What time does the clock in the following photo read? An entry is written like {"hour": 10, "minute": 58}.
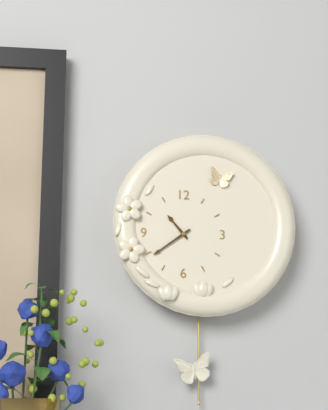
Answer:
{"hour": 10, "minute": 39}
